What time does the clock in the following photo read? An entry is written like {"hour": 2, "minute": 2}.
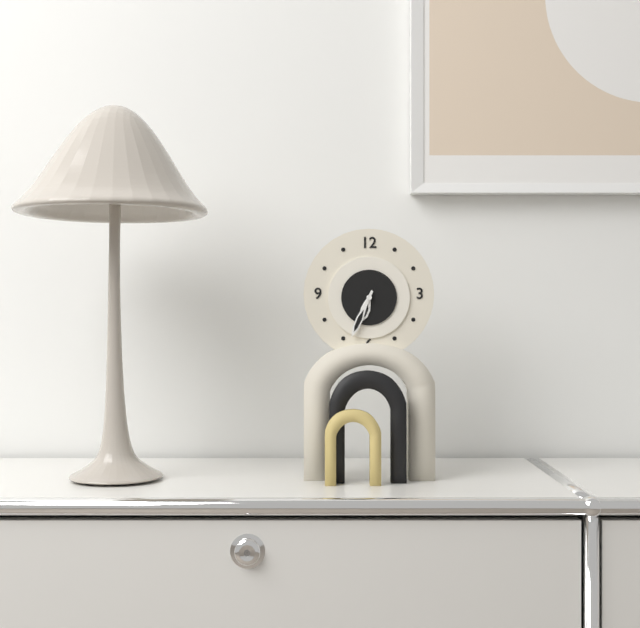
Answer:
{"hour": 6, "minute": 34}
